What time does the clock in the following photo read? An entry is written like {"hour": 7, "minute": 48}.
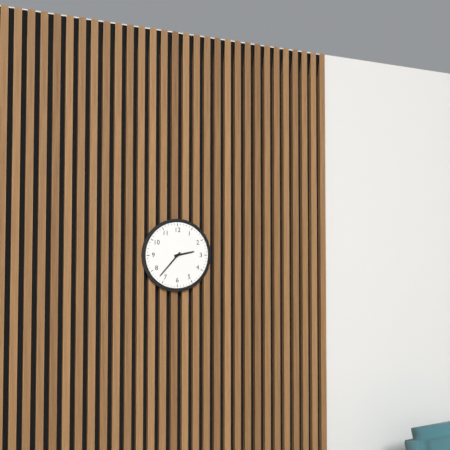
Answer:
{"hour": 2, "minute": 37}
